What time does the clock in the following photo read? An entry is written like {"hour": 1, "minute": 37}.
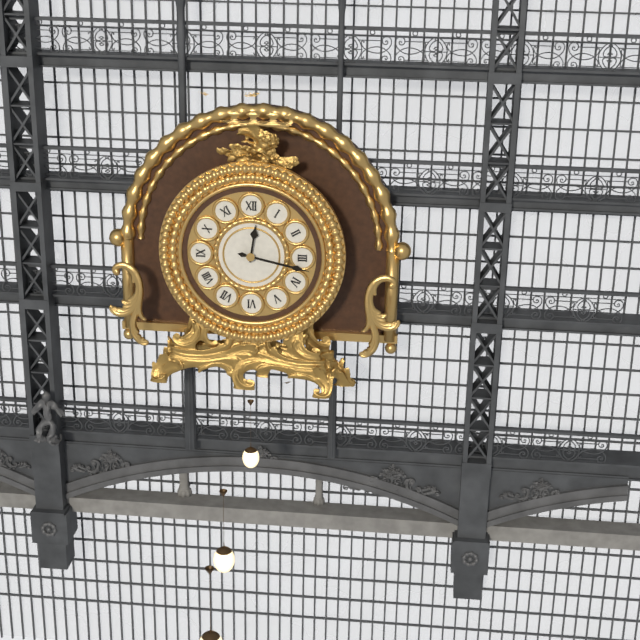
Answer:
{"hour": 12, "minute": 17}
